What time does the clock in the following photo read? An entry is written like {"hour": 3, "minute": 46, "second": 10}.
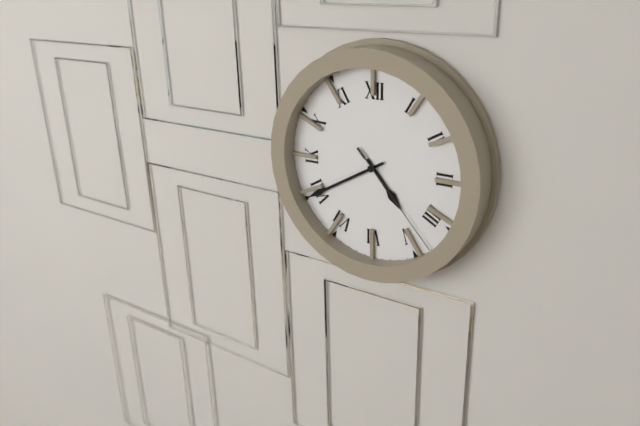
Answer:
{"hour": 4, "minute": 40, "second": 23}
